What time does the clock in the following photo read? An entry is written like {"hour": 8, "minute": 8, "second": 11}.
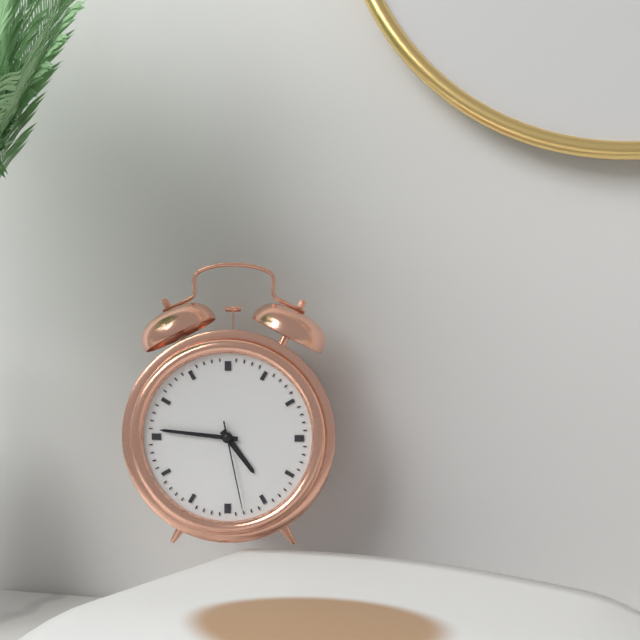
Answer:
{"hour": 4, "minute": 46, "second": 28}
